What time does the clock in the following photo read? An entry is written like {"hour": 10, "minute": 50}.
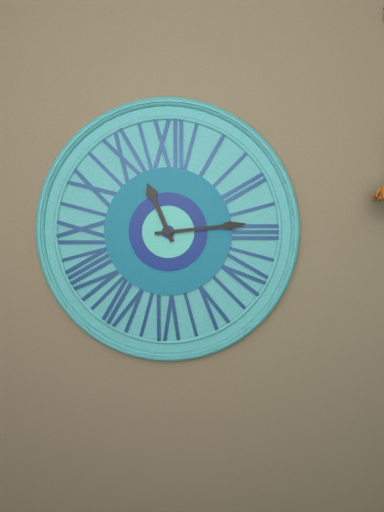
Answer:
{"hour": 11, "minute": 14}
